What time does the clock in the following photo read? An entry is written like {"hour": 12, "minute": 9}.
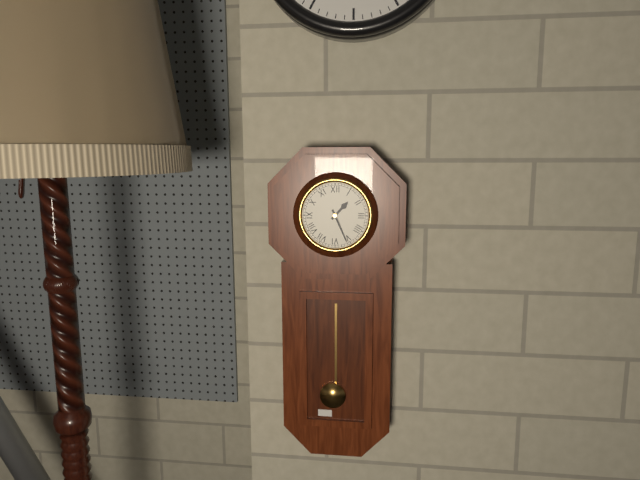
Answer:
{"hour": 1, "minute": 26}
